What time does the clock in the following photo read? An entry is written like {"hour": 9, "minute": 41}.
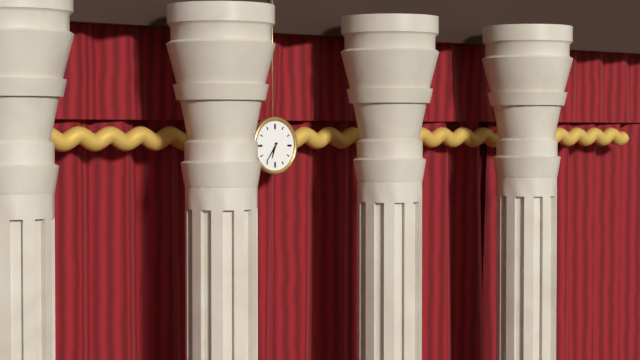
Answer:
{"hour": 6, "minute": 36}
